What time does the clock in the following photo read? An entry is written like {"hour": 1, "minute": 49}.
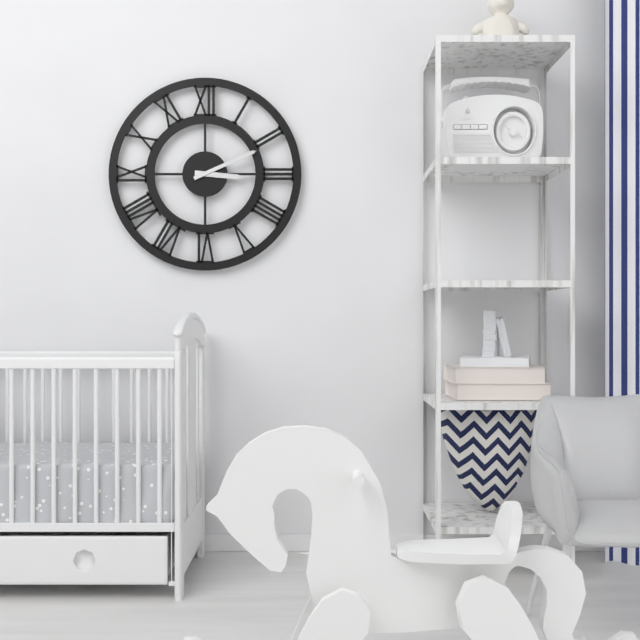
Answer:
{"hour": 3, "minute": 11}
